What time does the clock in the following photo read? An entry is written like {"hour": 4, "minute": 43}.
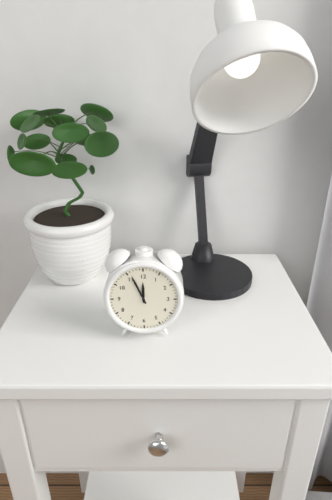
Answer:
{"hour": 11, "minute": 56}
